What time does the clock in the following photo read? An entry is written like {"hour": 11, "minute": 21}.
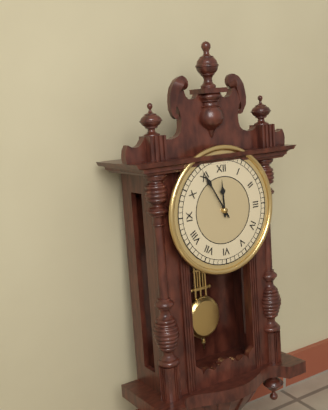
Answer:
{"hour": 11, "minute": 55}
